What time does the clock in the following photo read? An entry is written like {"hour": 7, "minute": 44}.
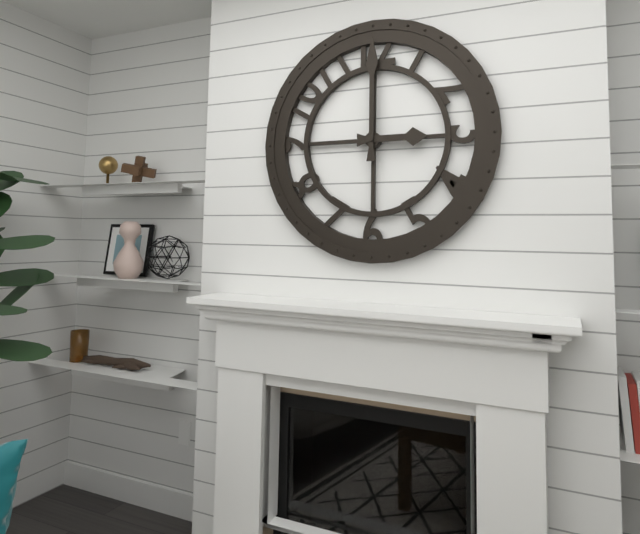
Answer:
{"hour": 3, "minute": 0}
